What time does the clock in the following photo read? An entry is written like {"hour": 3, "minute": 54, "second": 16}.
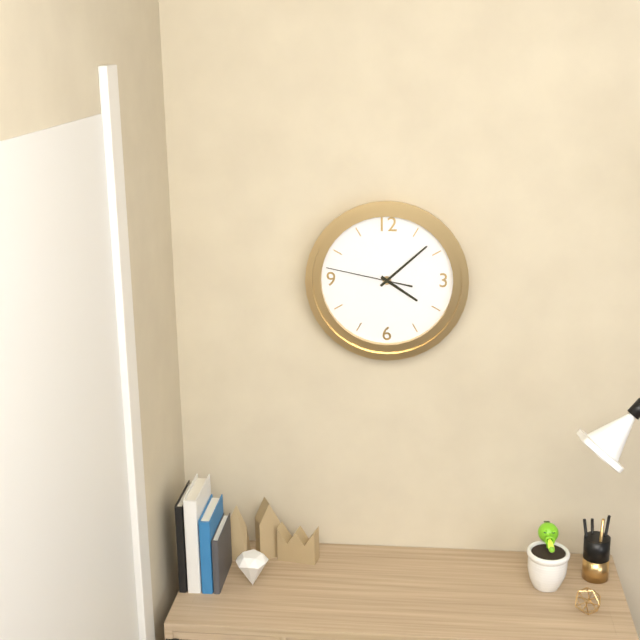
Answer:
{"hour": 4, "minute": 8, "second": 47}
